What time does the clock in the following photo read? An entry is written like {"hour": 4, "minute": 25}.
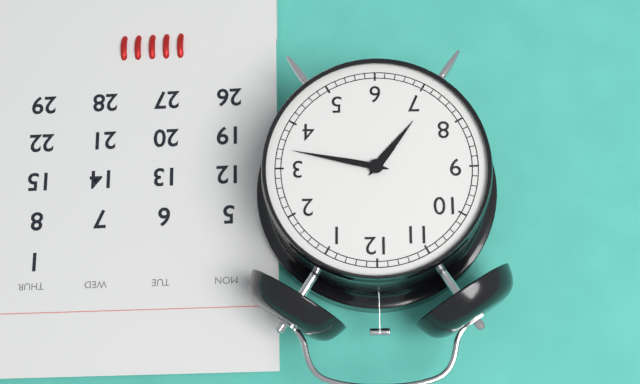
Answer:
{"hour": 7, "minute": 17}
